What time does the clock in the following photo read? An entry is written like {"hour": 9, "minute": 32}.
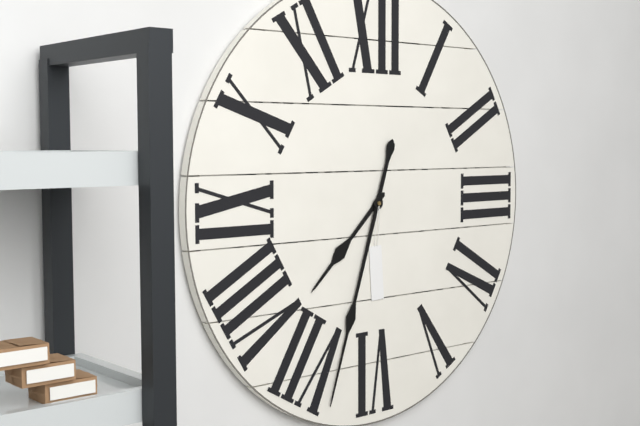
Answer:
{"hour": 7, "minute": 33}
